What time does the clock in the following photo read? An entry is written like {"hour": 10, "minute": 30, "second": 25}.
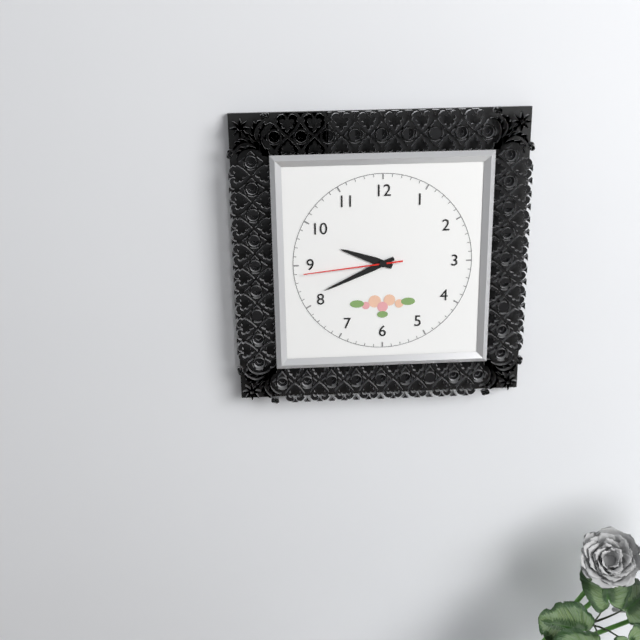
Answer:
{"hour": 9, "minute": 41, "second": 44}
